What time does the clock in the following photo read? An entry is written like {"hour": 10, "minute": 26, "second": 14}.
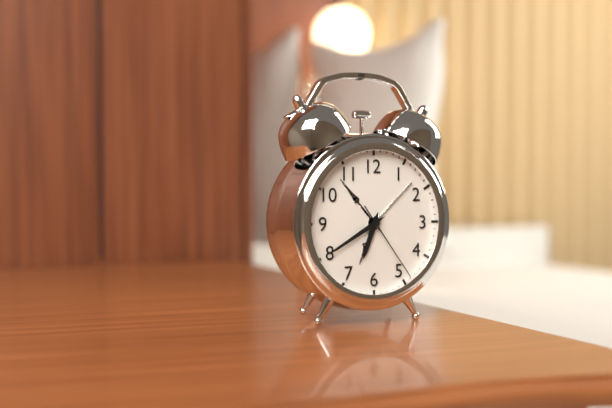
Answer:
{"hour": 6, "minute": 40, "second": 24}
